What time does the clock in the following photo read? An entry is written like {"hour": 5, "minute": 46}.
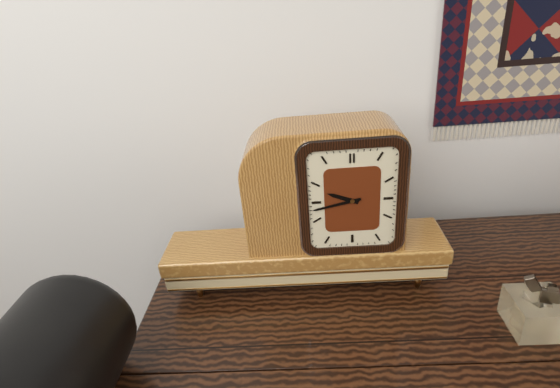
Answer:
{"hour": 9, "minute": 43}
